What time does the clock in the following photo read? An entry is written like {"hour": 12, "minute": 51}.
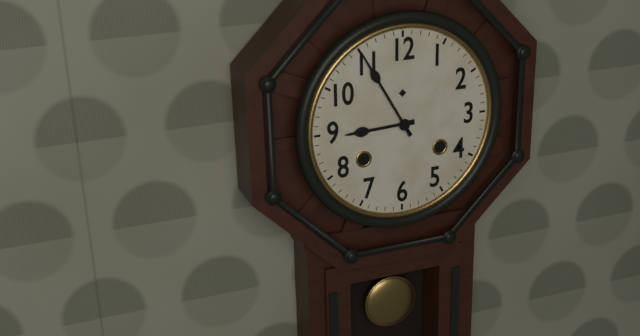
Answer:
{"hour": 8, "minute": 55}
